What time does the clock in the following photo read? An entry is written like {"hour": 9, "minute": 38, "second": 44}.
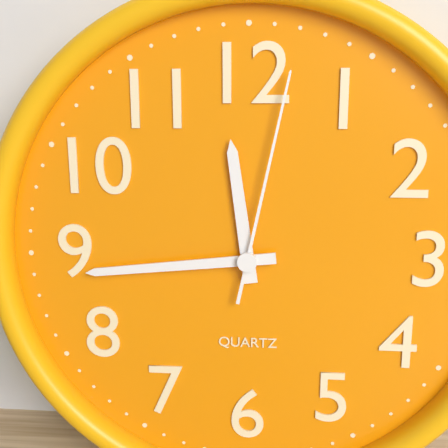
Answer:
{"hour": 11, "minute": 44, "second": 2}
